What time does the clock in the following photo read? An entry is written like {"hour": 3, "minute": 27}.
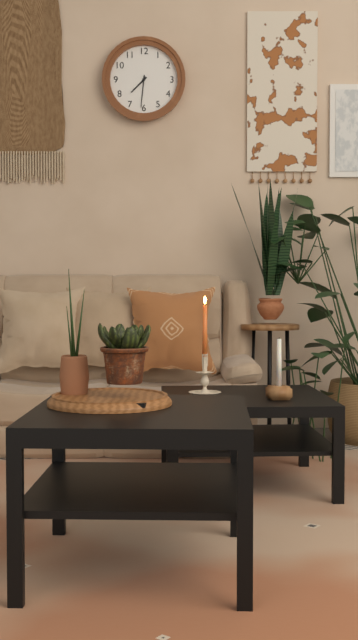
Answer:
{"hour": 7, "minute": 31}
